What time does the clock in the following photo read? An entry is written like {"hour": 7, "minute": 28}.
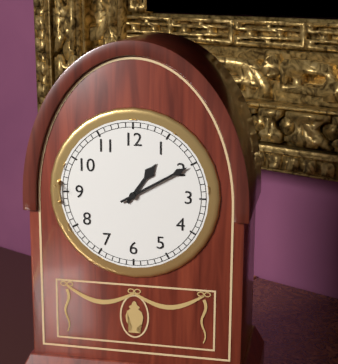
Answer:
{"hour": 1, "minute": 10}
